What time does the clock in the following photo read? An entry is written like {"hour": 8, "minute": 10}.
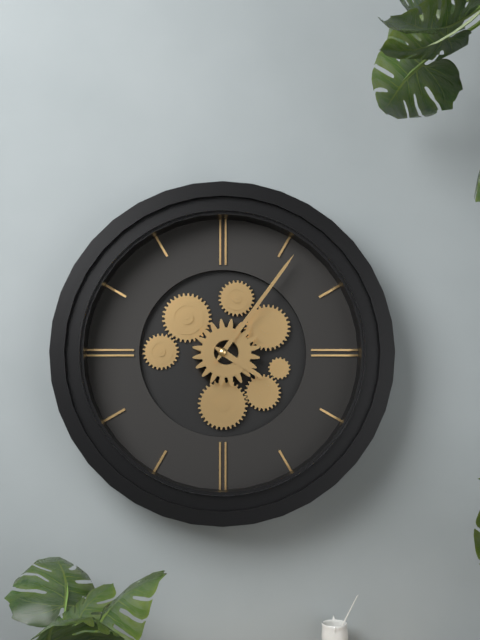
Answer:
{"hour": 4, "minute": 6}
